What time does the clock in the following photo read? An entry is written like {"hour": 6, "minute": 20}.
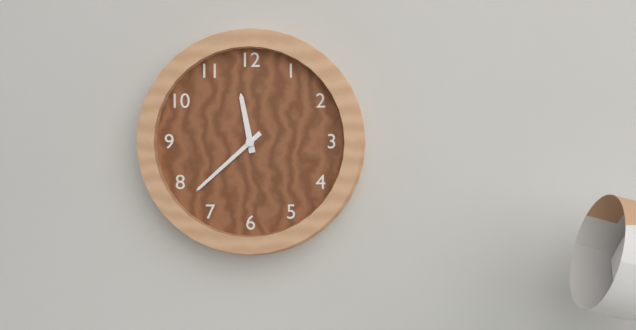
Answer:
{"hour": 11, "minute": 38}
